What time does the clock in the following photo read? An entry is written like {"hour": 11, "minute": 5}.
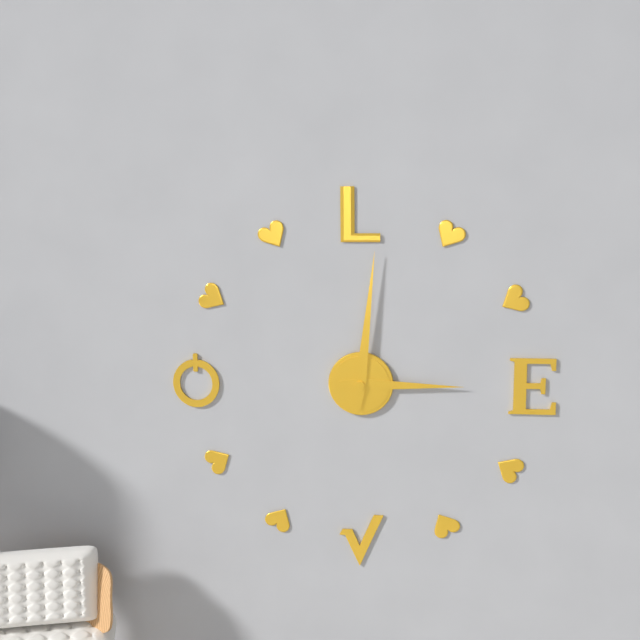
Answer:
{"hour": 3, "minute": 1}
